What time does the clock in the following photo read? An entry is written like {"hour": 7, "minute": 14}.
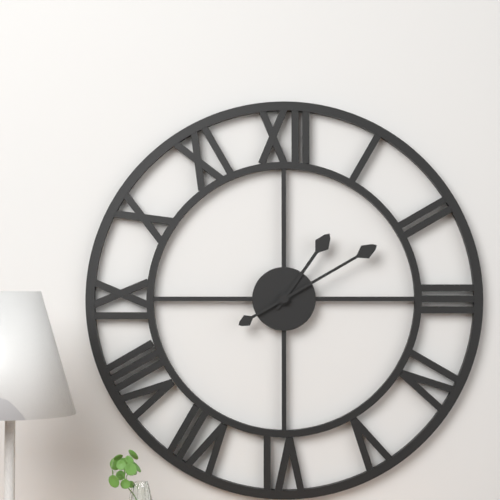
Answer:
{"hour": 1, "minute": 10}
